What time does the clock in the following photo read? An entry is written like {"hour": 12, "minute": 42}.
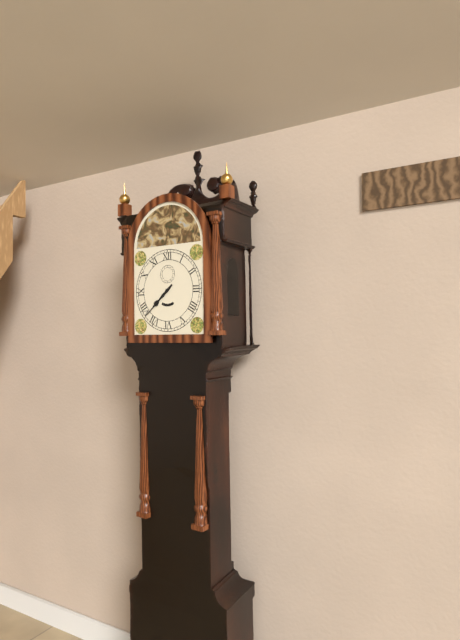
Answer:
{"hour": 7, "minute": 38}
